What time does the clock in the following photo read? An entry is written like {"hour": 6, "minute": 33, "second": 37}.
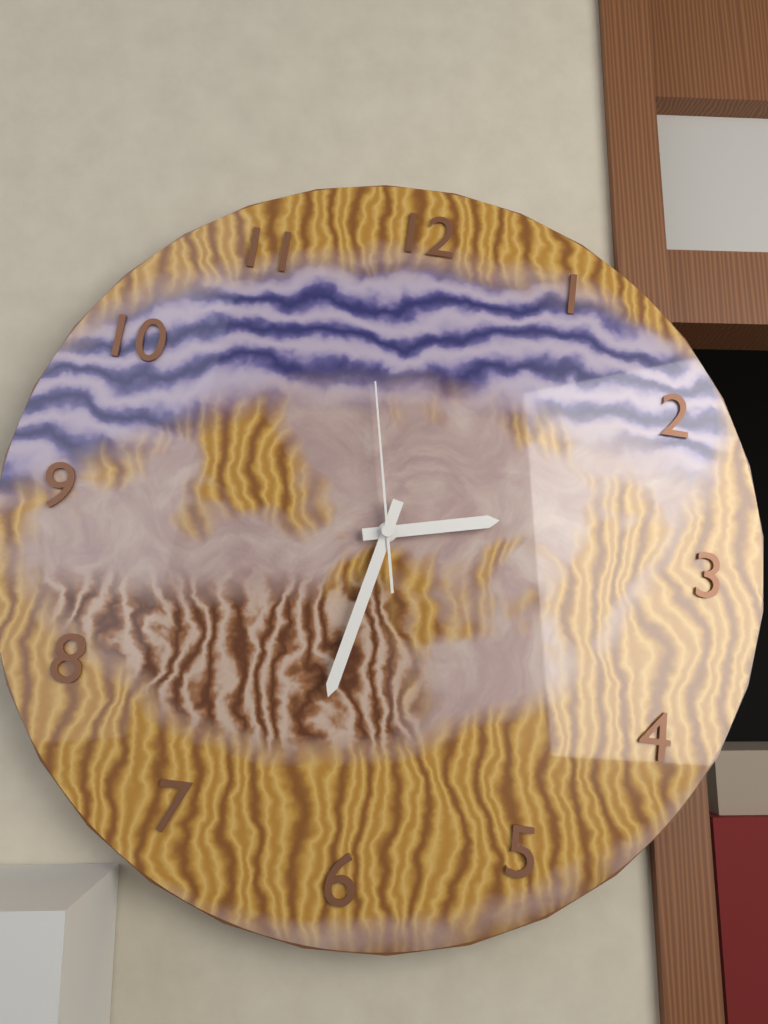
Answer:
{"hour": 2, "minute": 32, "second": 58}
